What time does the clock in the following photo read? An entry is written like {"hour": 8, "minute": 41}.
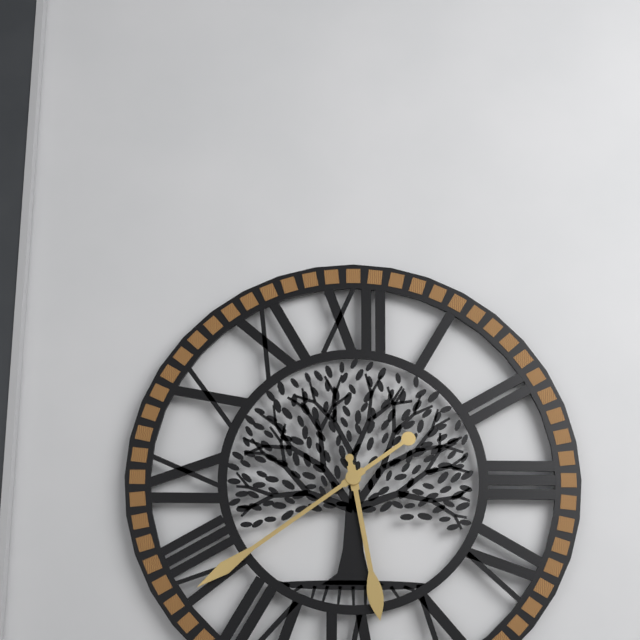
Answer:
{"hour": 5, "minute": 39}
